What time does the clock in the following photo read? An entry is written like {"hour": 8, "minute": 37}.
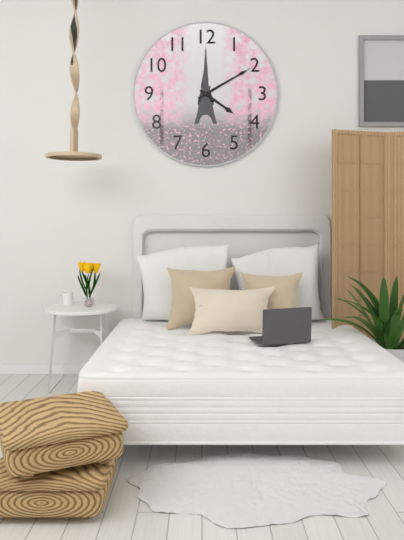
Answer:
{"hour": 4, "minute": 10}
